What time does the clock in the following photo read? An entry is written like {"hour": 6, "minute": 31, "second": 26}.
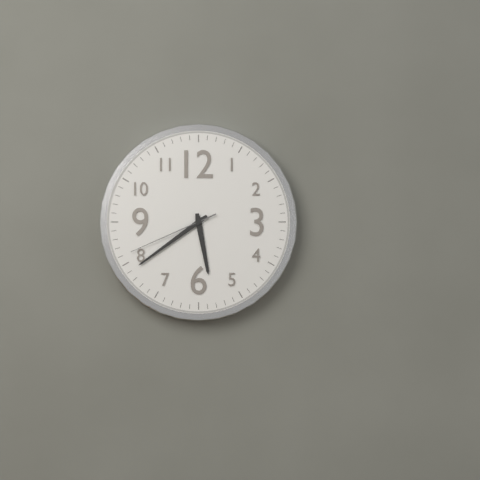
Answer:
{"hour": 5, "minute": 39, "second": 41}
